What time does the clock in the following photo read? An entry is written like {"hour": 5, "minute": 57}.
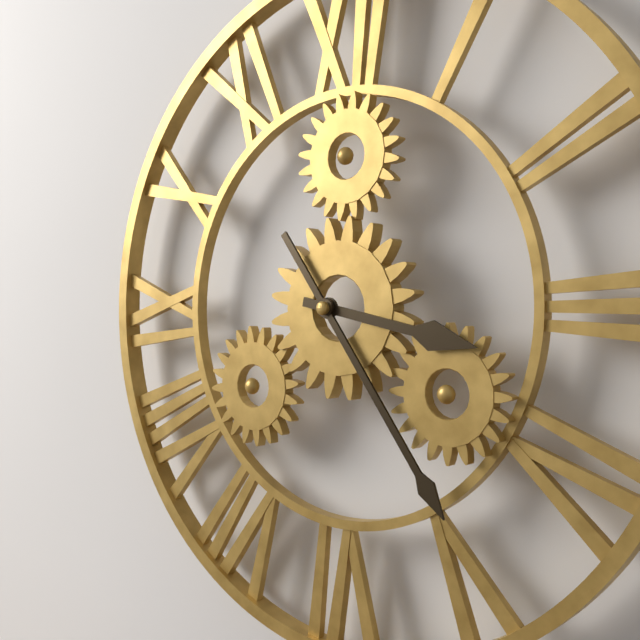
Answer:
{"hour": 3, "minute": 24}
